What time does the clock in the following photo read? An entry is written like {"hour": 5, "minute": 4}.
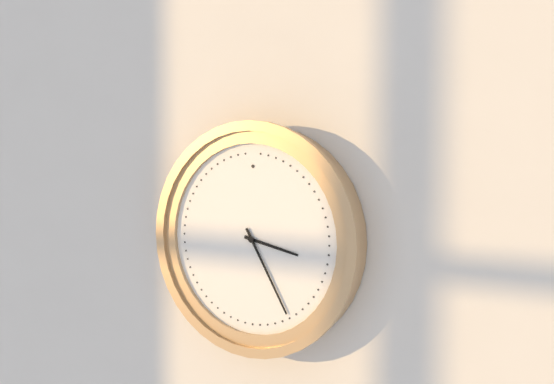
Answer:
{"hour": 3, "minute": 25}
